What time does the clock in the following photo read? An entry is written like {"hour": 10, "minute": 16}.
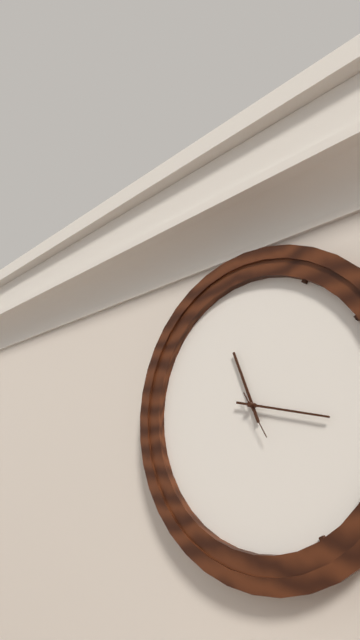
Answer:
{"hour": 11, "minute": 17}
